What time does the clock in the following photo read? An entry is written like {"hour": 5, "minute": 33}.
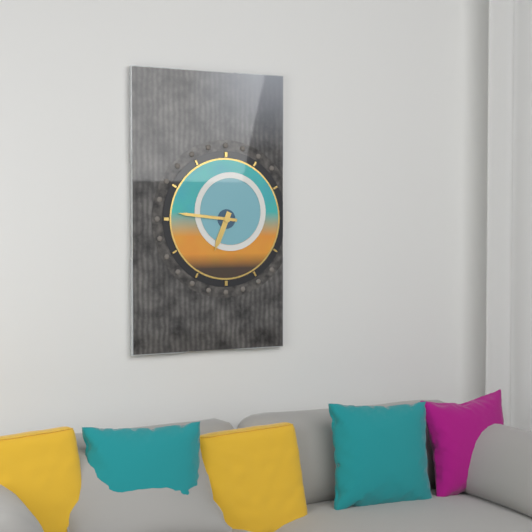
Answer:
{"hour": 6, "minute": 46}
